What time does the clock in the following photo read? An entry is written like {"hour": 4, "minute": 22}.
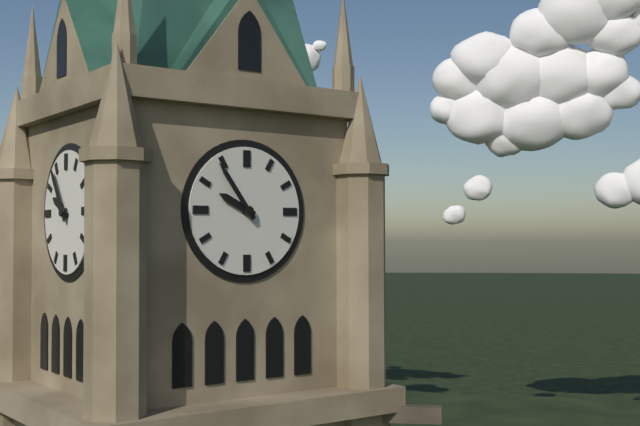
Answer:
{"hour": 9, "minute": 54}
